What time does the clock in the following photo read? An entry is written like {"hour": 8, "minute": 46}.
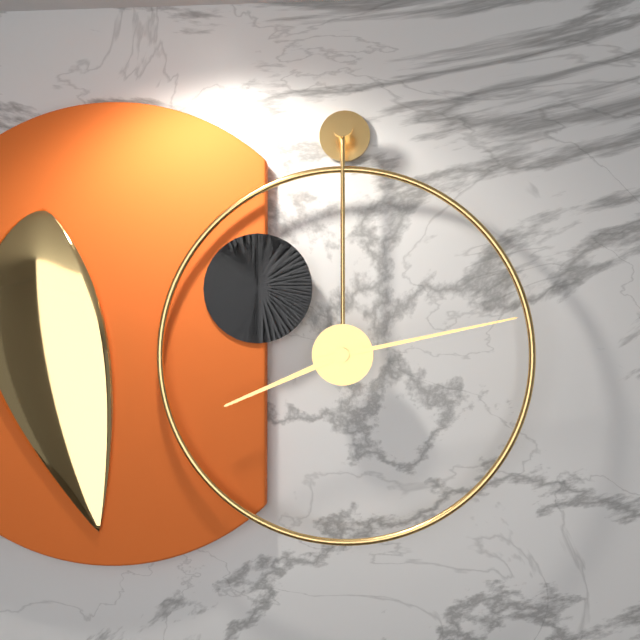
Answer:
{"hour": 8, "minute": 13}
